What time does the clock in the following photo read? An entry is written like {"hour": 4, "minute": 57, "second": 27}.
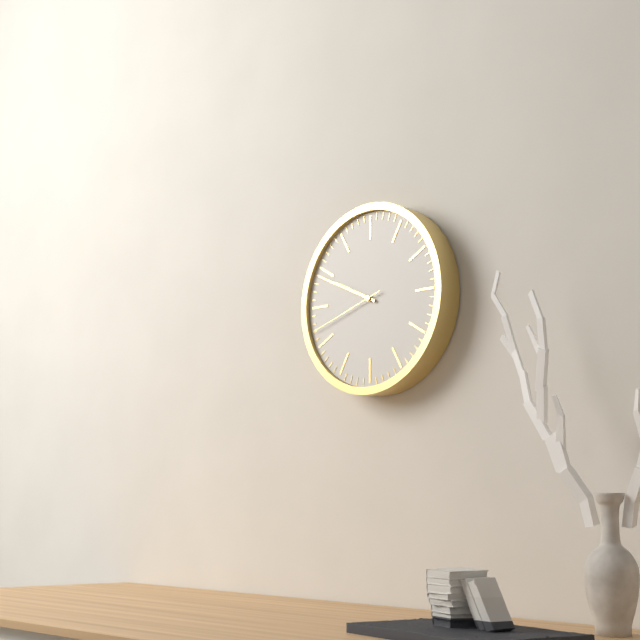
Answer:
{"hour": 9, "minute": 49, "second": 42}
